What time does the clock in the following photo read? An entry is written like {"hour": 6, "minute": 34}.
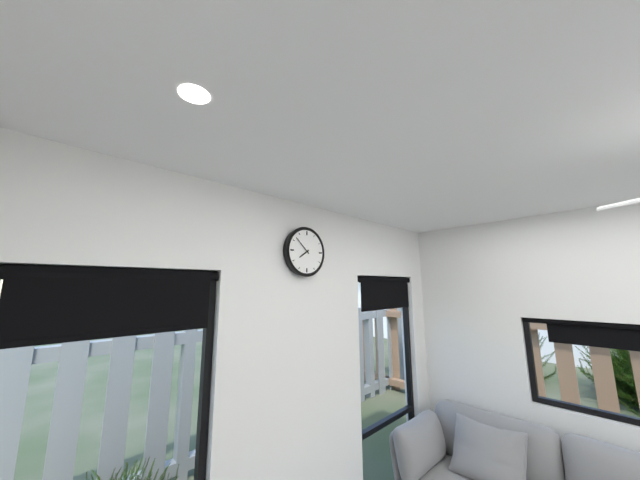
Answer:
{"hour": 7, "minute": 52}
